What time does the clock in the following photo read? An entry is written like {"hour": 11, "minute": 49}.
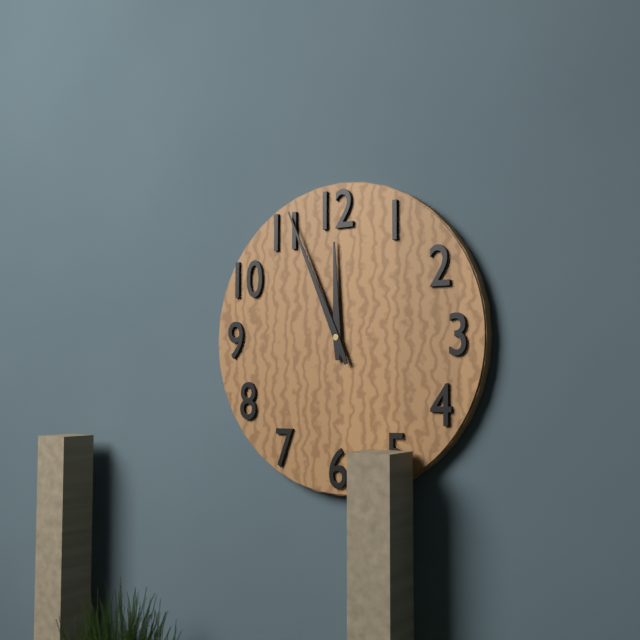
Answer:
{"hour": 11, "minute": 56}
